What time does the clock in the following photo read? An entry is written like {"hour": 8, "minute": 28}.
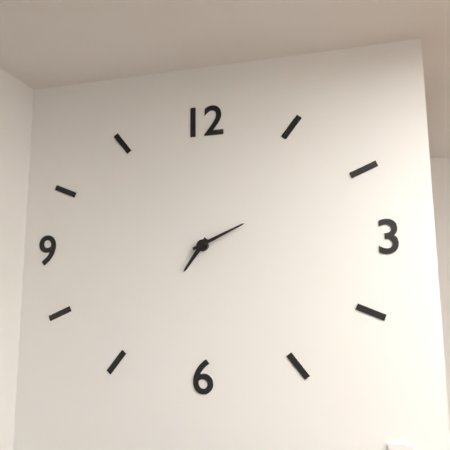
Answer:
{"hour": 7, "minute": 11}
